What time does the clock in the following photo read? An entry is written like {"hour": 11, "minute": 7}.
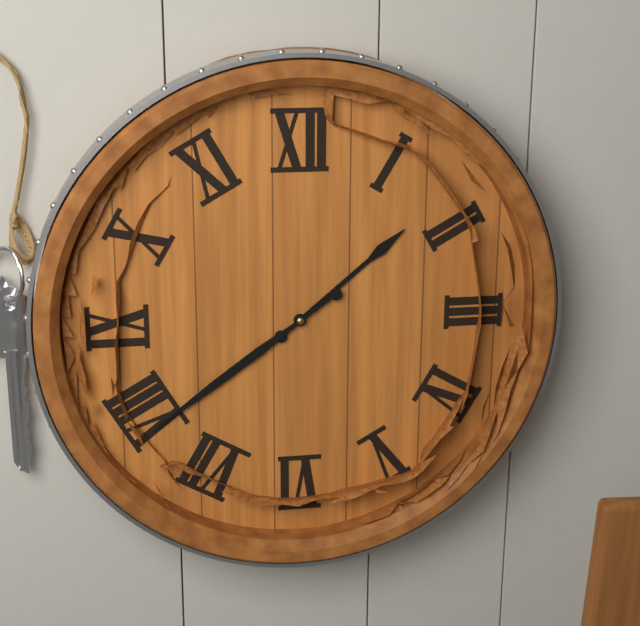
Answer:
{"hour": 1, "minute": 39}
